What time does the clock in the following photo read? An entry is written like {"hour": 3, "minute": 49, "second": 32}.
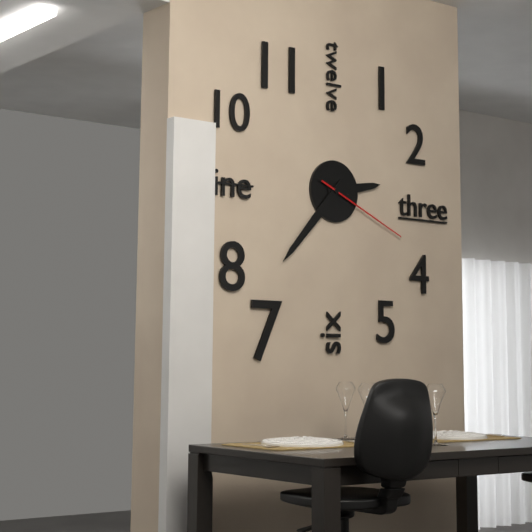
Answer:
{"hour": 2, "minute": 37, "second": 19}
